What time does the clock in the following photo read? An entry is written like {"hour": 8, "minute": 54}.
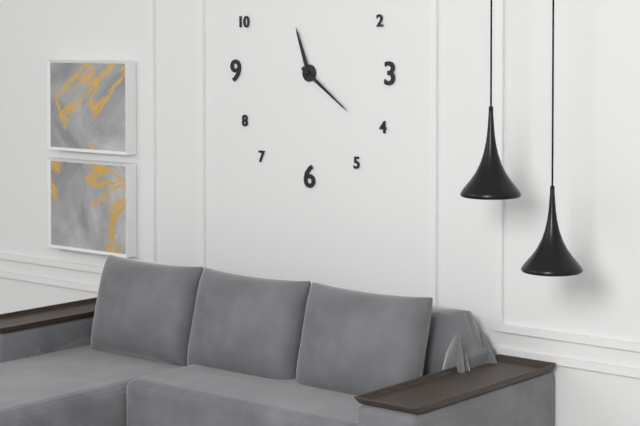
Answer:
{"hour": 11, "minute": 21}
